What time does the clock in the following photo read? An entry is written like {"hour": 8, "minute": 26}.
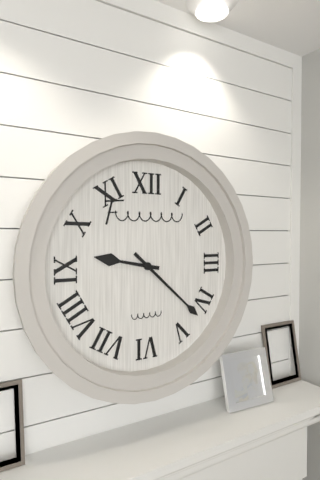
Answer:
{"hour": 9, "minute": 22}
